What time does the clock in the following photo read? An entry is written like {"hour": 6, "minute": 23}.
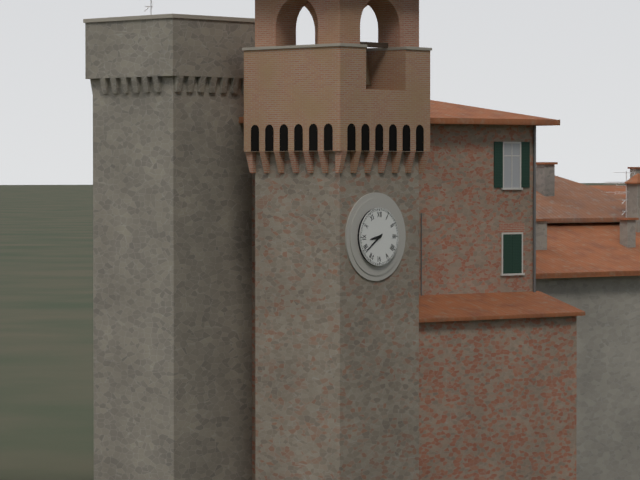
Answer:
{"hour": 8, "minute": 39}
